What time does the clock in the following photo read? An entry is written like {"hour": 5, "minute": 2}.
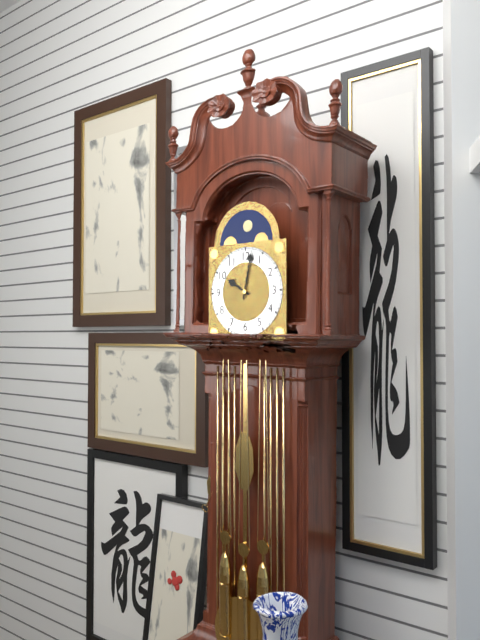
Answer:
{"hour": 10, "minute": 2}
